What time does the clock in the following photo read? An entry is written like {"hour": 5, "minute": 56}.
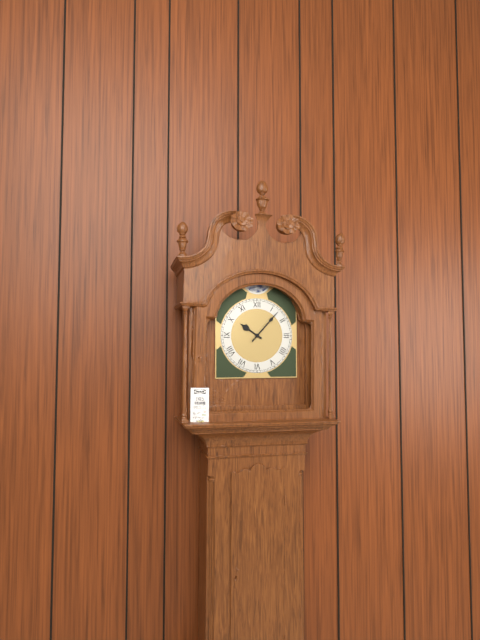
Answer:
{"hour": 10, "minute": 7}
